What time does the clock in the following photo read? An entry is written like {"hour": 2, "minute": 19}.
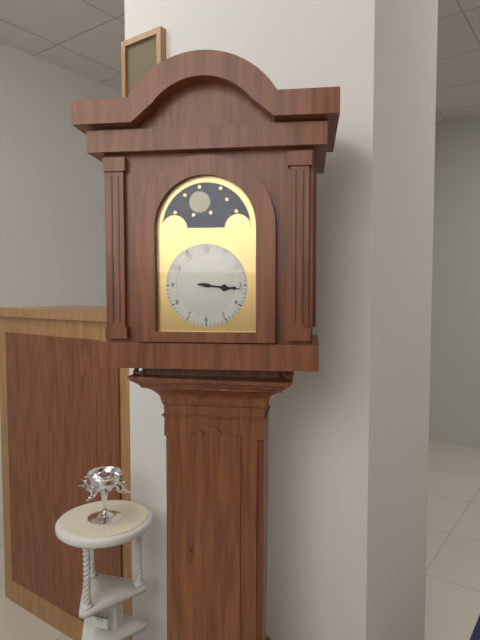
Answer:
{"hour": 3, "minute": 16}
